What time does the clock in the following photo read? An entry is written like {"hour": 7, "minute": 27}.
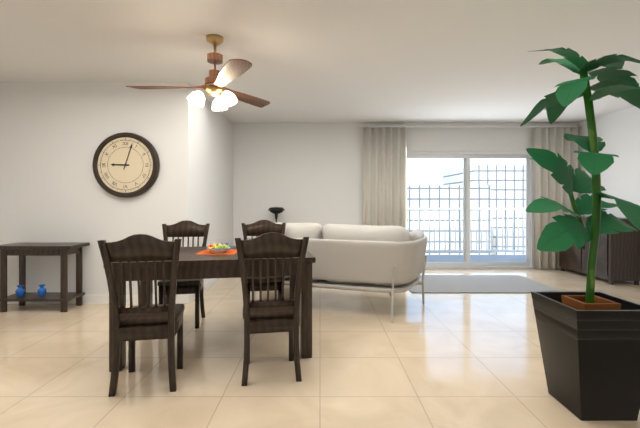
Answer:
{"hour": 9, "minute": 3}
